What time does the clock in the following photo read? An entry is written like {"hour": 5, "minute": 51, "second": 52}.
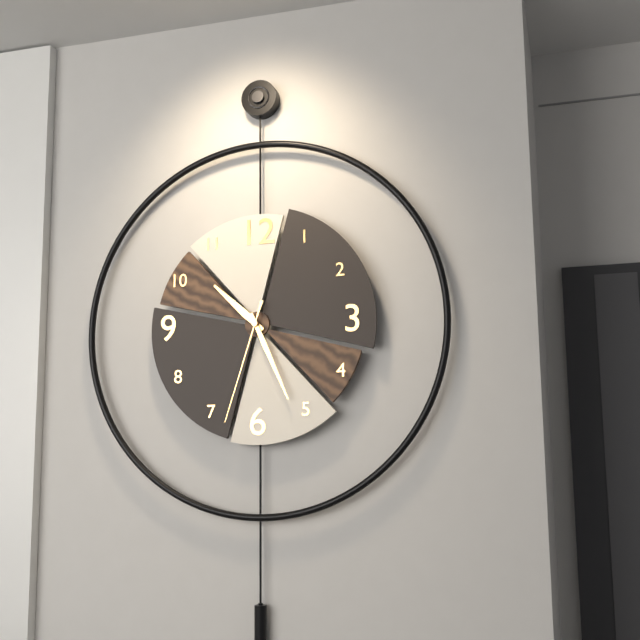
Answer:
{"hour": 10, "minute": 26, "second": 33}
